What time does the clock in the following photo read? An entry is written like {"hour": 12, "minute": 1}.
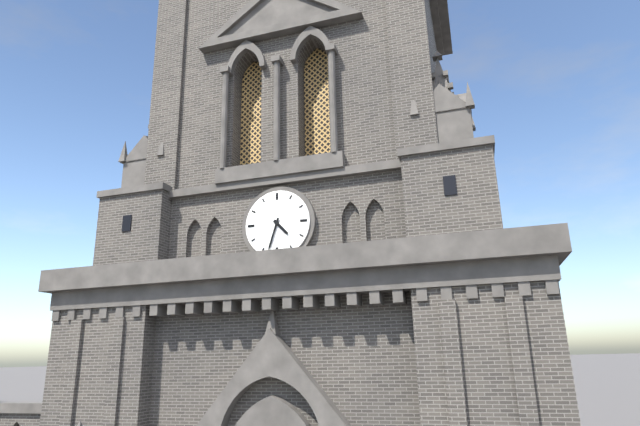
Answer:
{"hour": 4, "minute": 33}
